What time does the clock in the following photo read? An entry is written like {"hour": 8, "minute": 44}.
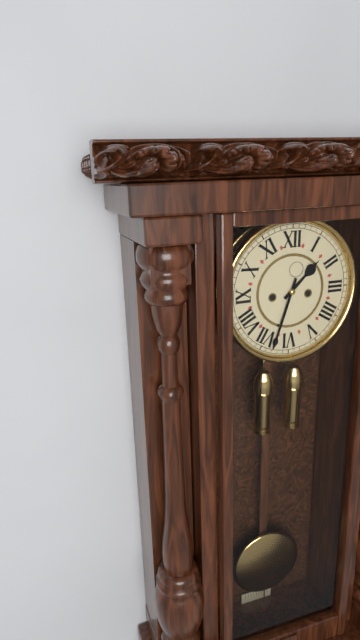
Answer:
{"hour": 1, "minute": 33}
